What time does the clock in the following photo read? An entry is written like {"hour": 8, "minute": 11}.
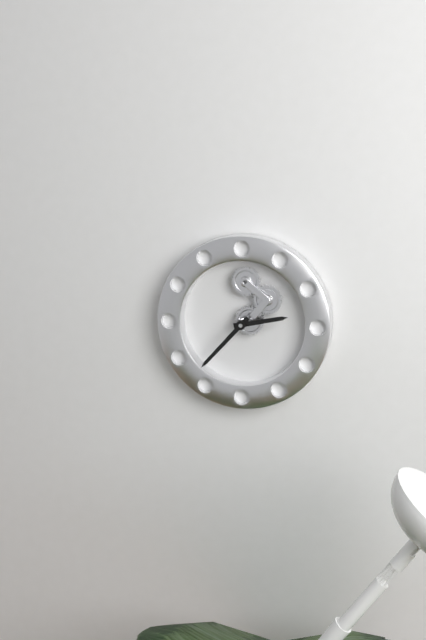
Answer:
{"hour": 2, "minute": 37}
